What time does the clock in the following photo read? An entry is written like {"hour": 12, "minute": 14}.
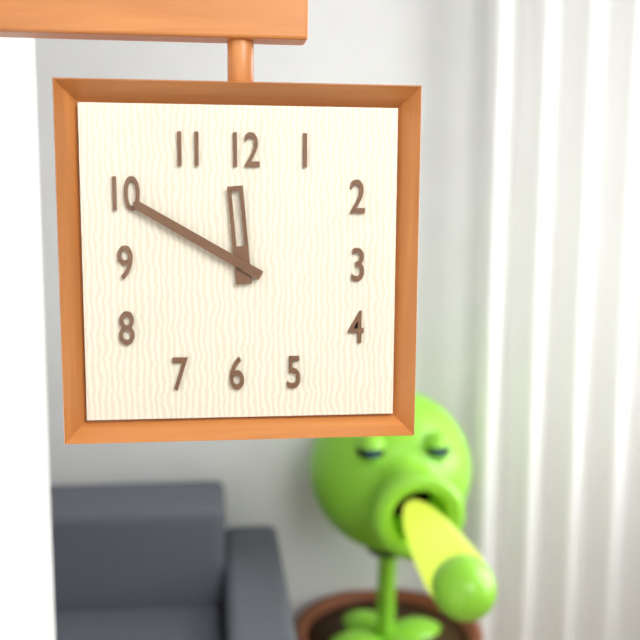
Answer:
{"hour": 11, "minute": 50}
